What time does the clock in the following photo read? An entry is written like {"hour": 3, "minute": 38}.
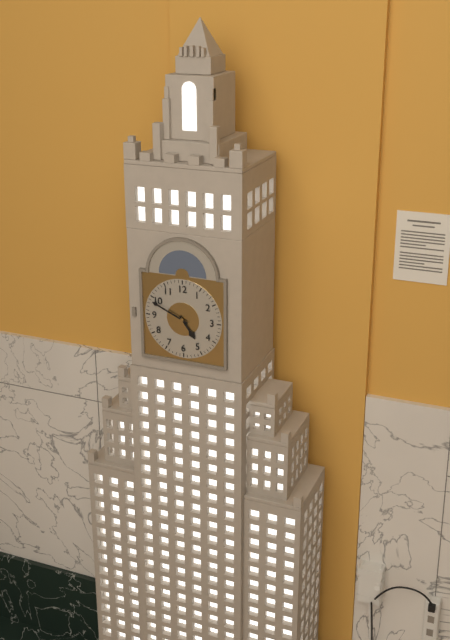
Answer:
{"hour": 4, "minute": 49}
